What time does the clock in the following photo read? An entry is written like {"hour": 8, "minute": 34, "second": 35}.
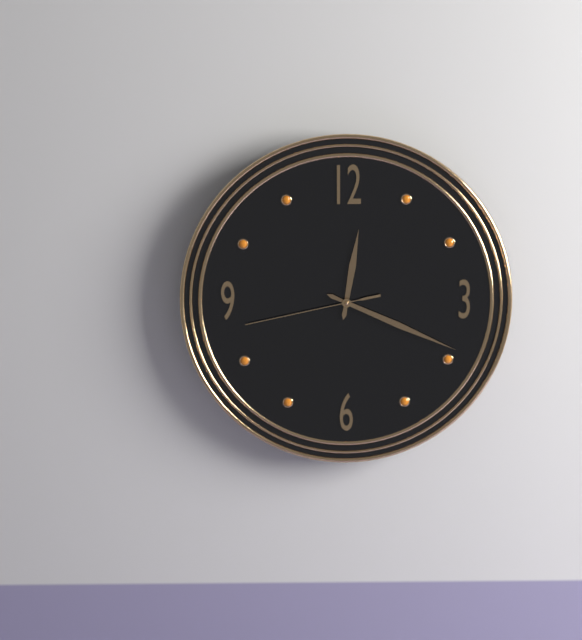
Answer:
{"hour": 12, "minute": 19, "second": 43}
